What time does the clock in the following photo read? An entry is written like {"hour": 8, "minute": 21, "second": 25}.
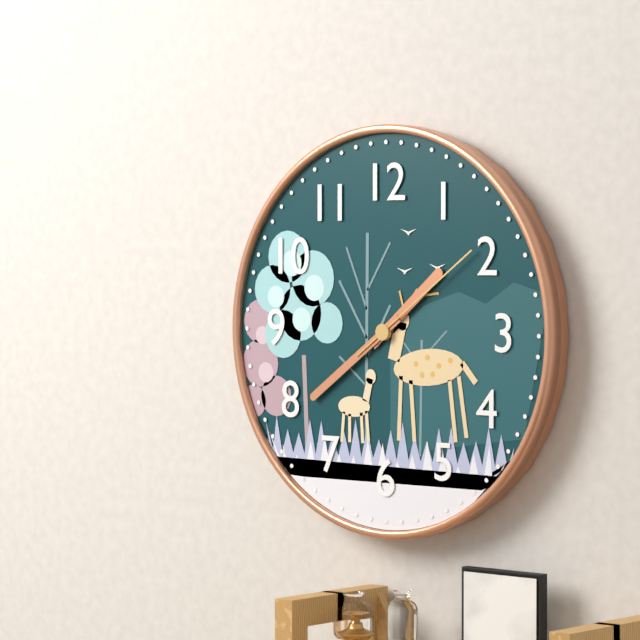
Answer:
{"hour": 1, "minute": 39, "second": 9}
